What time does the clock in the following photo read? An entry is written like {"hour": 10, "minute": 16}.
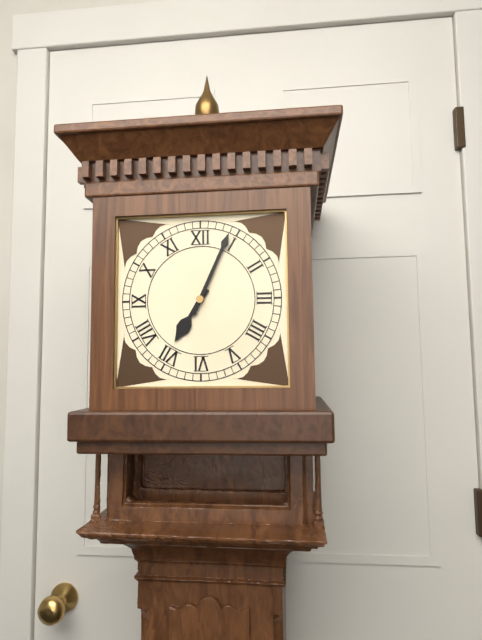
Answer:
{"hour": 7, "minute": 4}
